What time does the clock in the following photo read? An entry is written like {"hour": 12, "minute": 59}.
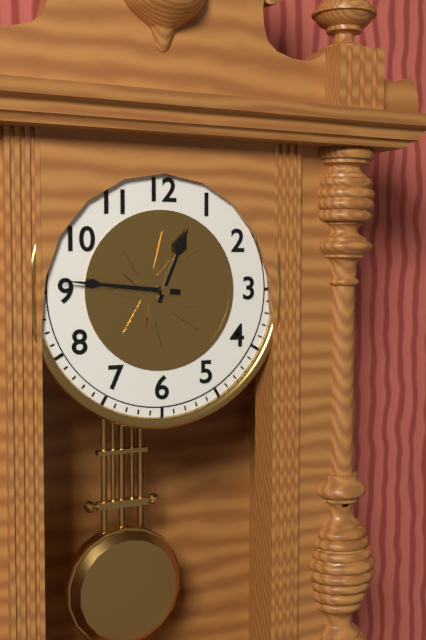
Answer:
{"hour": 12, "minute": 46}
